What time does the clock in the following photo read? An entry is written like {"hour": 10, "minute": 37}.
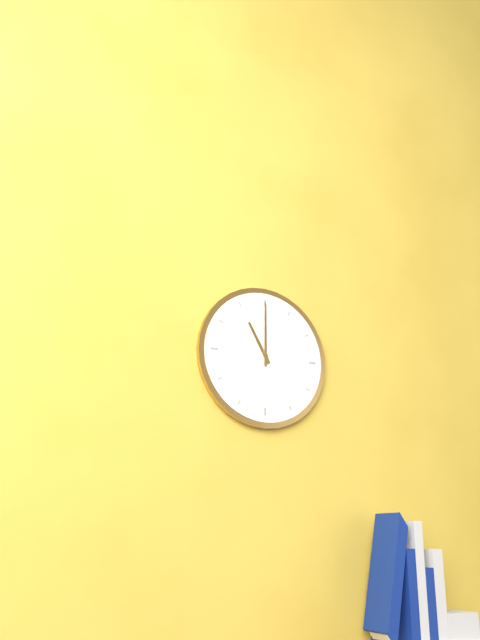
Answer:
{"hour": 11, "minute": 0}
